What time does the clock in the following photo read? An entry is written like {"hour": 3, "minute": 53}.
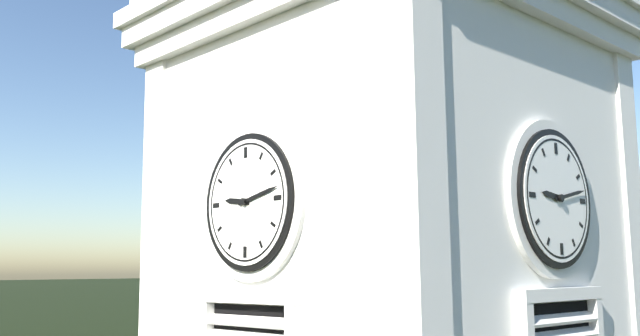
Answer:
{"hour": 9, "minute": 13}
